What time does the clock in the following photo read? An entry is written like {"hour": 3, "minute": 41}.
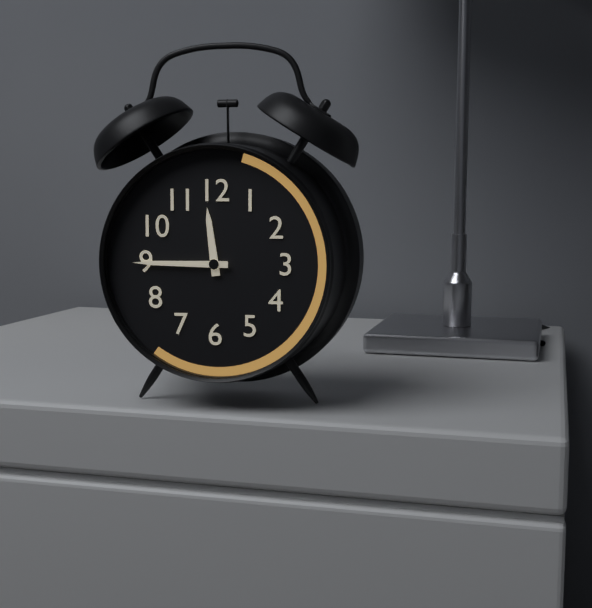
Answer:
{"hour": 11, "minute": 45}
